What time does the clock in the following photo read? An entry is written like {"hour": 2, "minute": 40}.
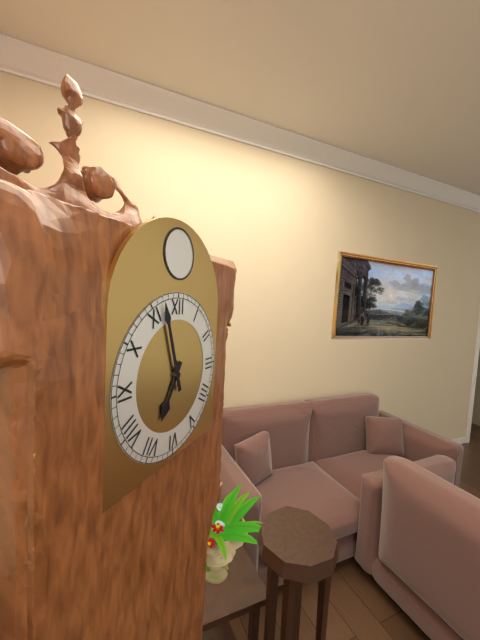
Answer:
{"hour": 6, "minute": 57}
